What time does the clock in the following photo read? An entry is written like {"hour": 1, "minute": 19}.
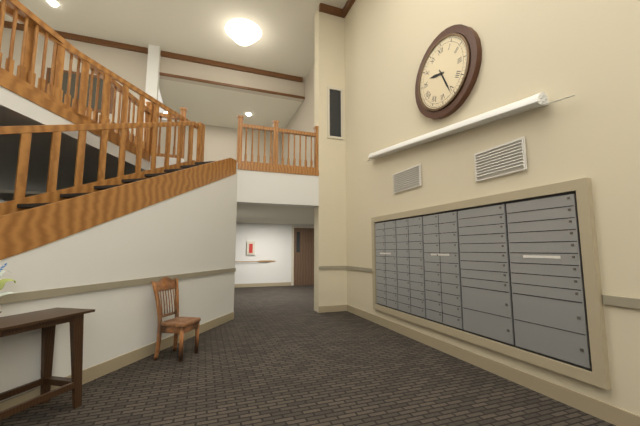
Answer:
{"hour": 9, "minute": 26}
